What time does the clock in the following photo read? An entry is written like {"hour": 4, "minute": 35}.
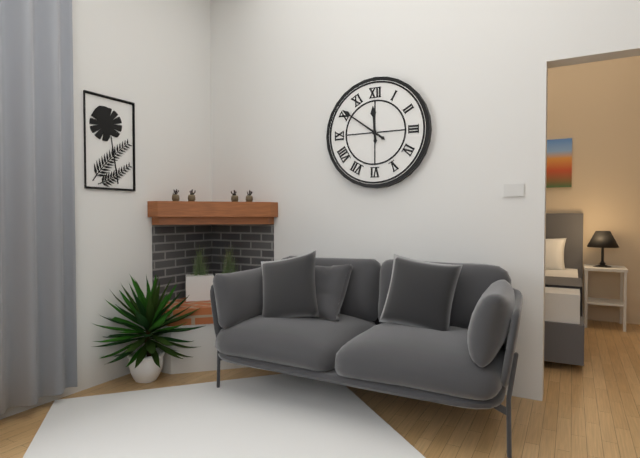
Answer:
{"hour": 11, "minute": 51}
